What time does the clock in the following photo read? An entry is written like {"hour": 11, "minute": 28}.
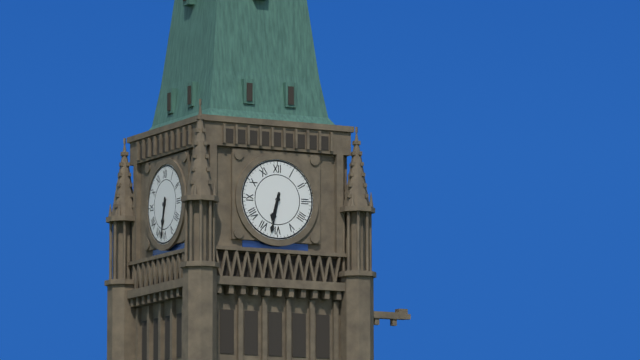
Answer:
{"hour": 6, "minute": 32}
